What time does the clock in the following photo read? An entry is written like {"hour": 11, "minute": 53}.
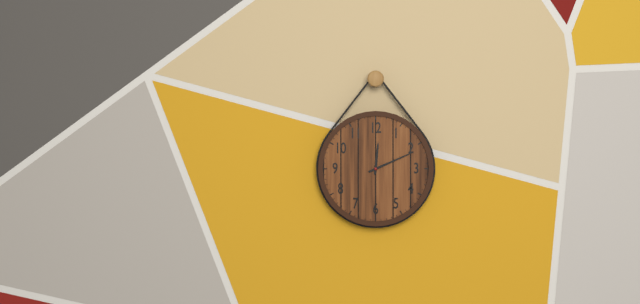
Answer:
{"hour": 12, "minute": 11}
